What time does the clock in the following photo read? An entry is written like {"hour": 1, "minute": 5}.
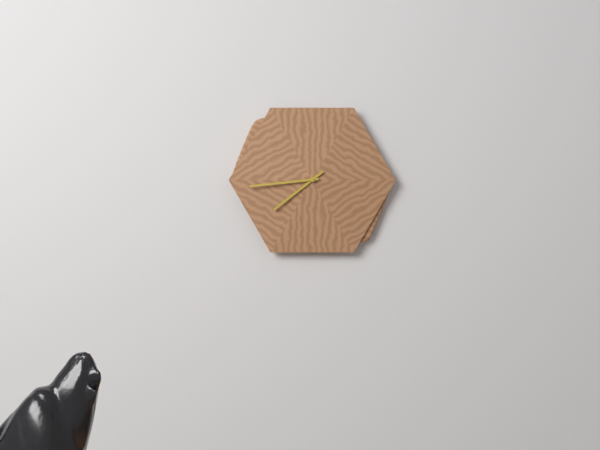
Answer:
{"hour": 7, "minute": 44}
